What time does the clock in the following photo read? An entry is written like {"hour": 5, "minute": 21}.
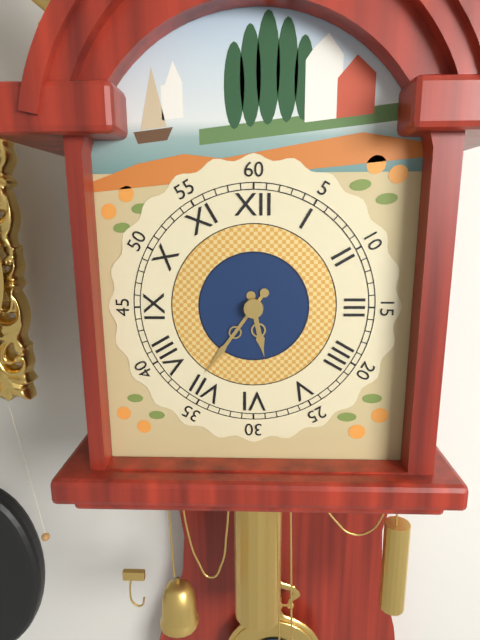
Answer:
{"hour": 5, "minute": 36}
